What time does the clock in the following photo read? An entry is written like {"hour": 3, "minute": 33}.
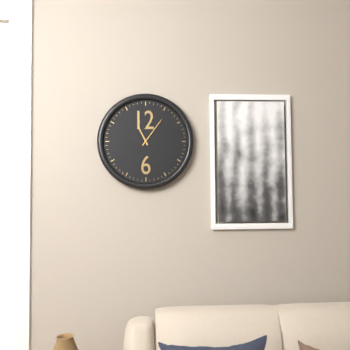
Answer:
{"hour": 11, "minute": 6}
